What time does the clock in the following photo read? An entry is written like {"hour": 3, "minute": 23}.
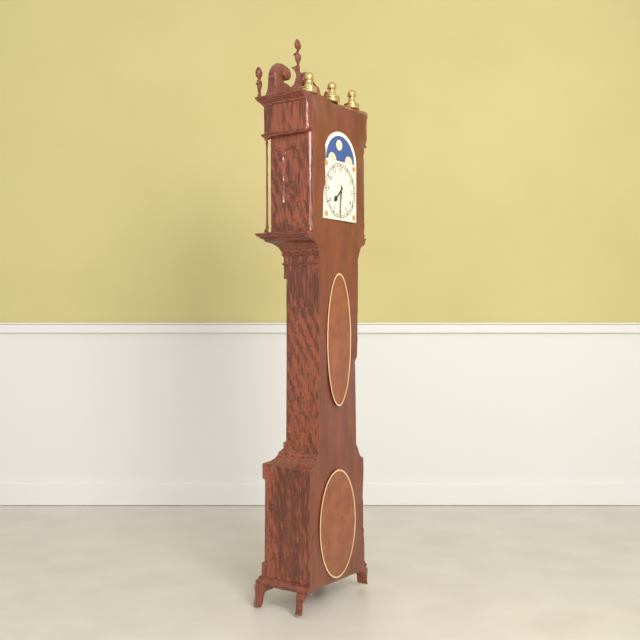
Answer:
{"hour": 7, "minute": 31}
